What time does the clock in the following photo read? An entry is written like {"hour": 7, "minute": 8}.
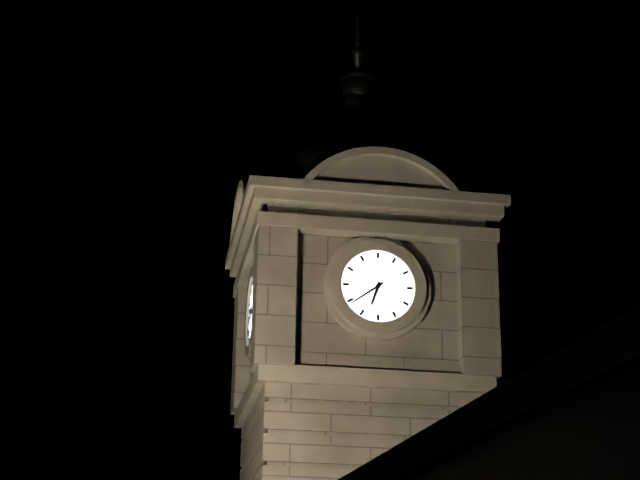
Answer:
{"hour": 6, "minute": 39}
